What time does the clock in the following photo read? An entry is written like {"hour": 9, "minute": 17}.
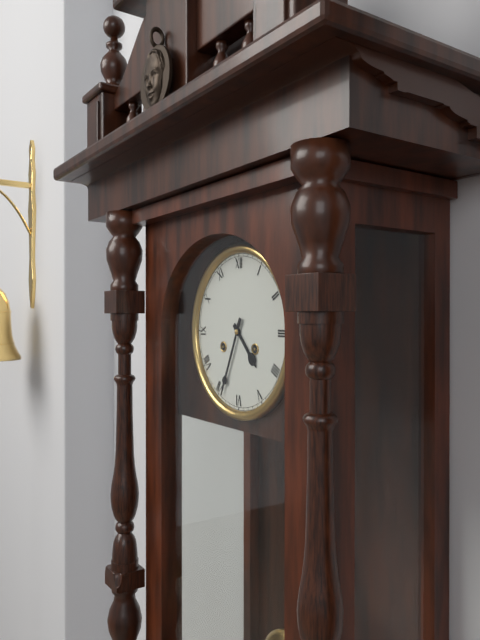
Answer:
{"hour": 4, "minute": 34}
